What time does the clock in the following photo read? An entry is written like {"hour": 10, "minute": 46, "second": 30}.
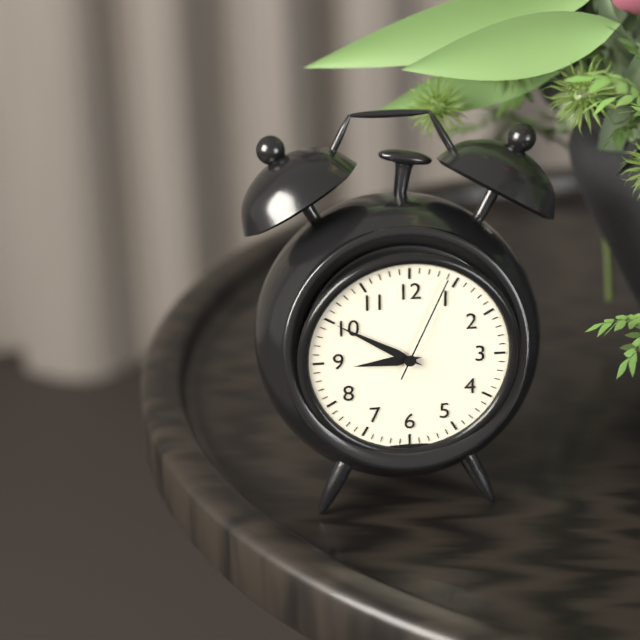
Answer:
{"hour": 8, "minute": 50, "second": 4}
